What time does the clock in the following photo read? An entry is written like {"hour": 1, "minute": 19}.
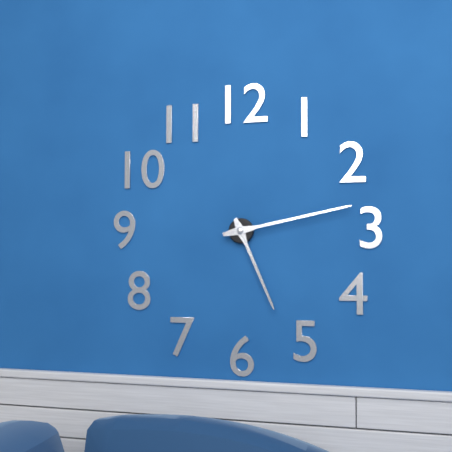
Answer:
{"hour": 5, "minute": 13}
